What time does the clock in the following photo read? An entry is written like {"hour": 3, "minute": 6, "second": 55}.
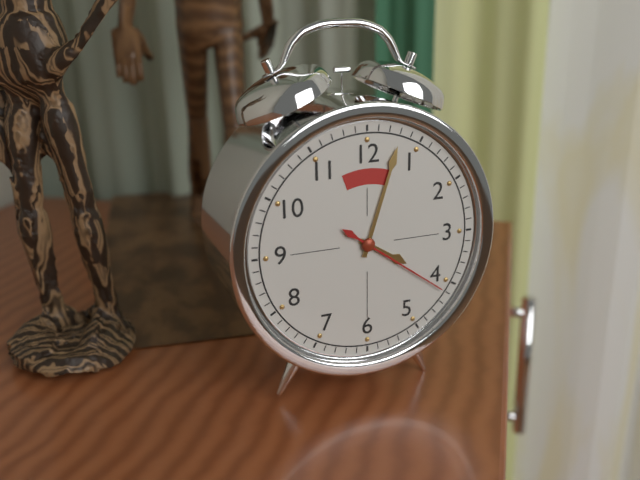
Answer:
{"hour": 4, "minute": 3, "second": 21}
